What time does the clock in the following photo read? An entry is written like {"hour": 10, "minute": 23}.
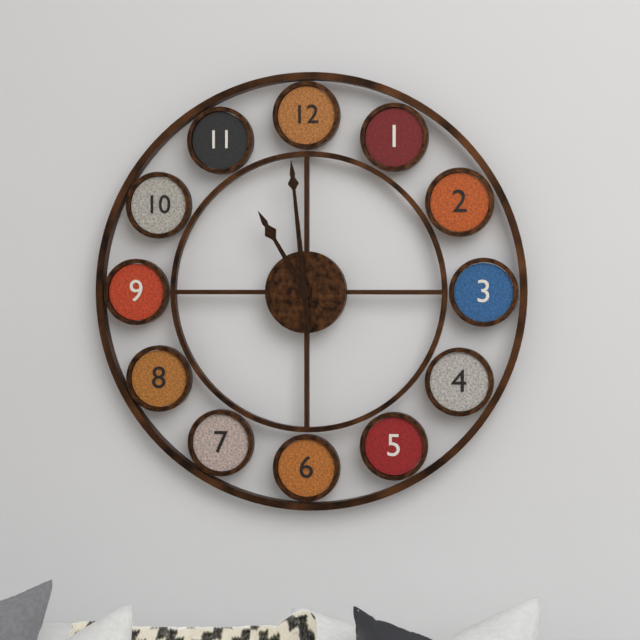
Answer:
{"hour": 10, "minute": 59}
